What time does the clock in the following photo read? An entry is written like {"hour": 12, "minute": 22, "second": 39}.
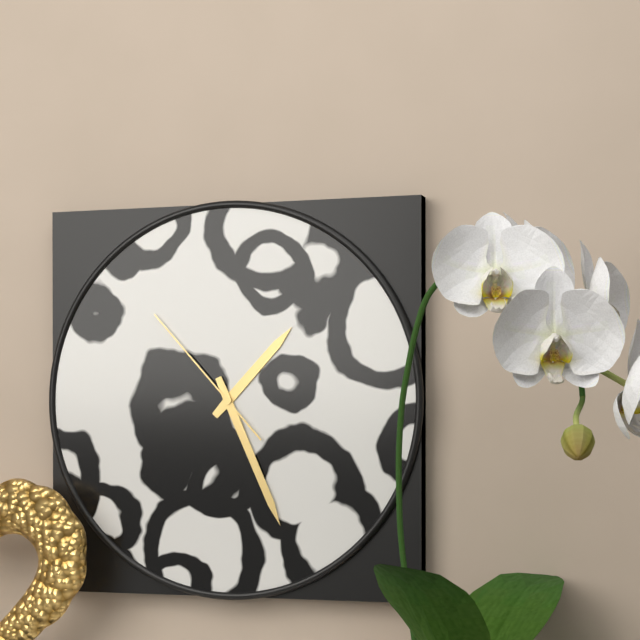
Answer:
{"hour": 1, "minute": 26, "second": 53}
